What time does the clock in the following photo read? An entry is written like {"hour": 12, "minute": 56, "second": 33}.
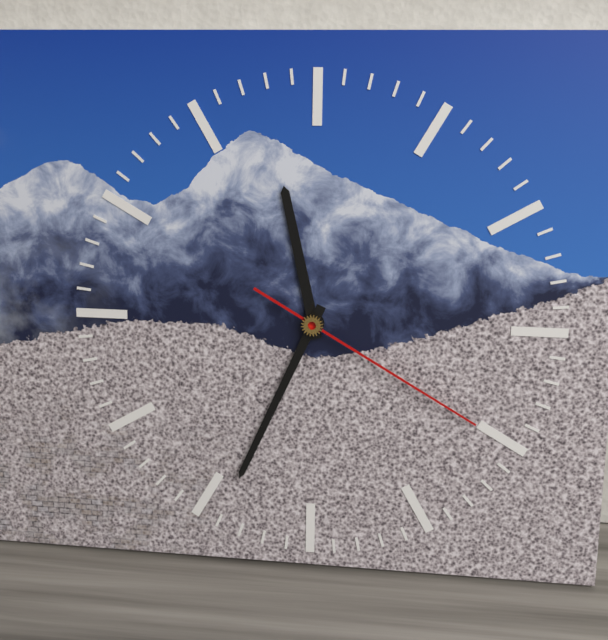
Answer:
{"hour": 11, "minute": 34, "second": 20}
